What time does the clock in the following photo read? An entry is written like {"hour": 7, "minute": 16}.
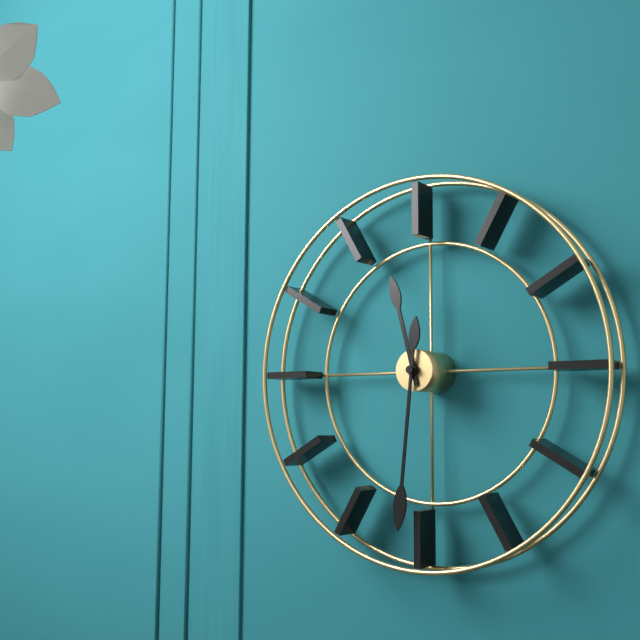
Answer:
{"hour": 11, "minute": 31}
